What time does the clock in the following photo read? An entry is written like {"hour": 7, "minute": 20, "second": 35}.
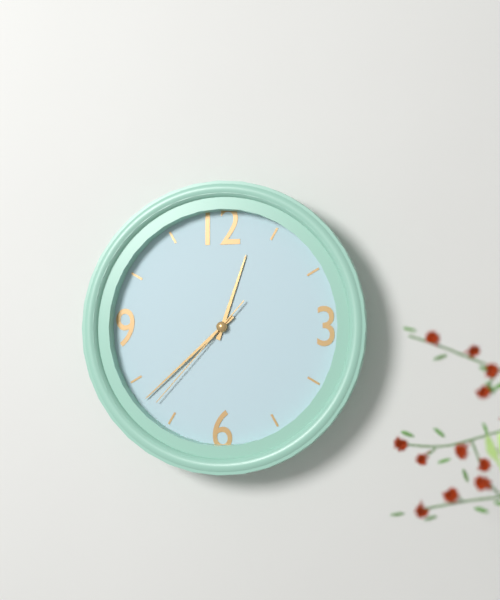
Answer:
{"hour": 12, "minute": 38, "second": 37}
